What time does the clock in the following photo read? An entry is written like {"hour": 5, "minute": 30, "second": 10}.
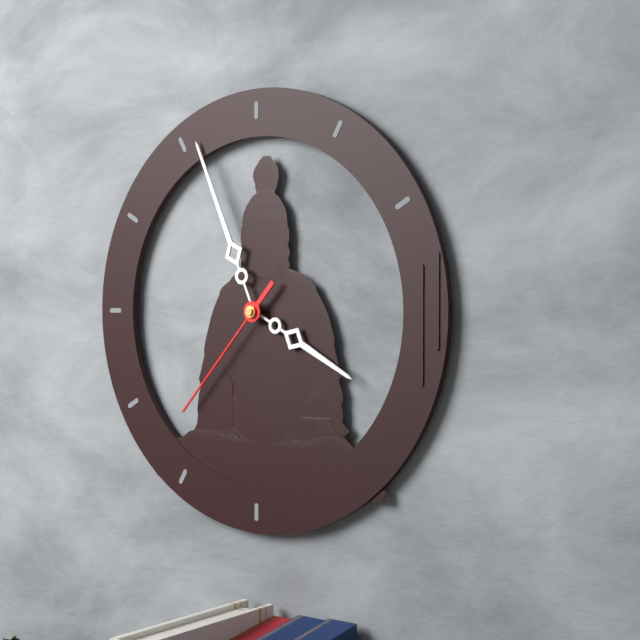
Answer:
{"hour": 3, "minute": 56, "second": 37}
